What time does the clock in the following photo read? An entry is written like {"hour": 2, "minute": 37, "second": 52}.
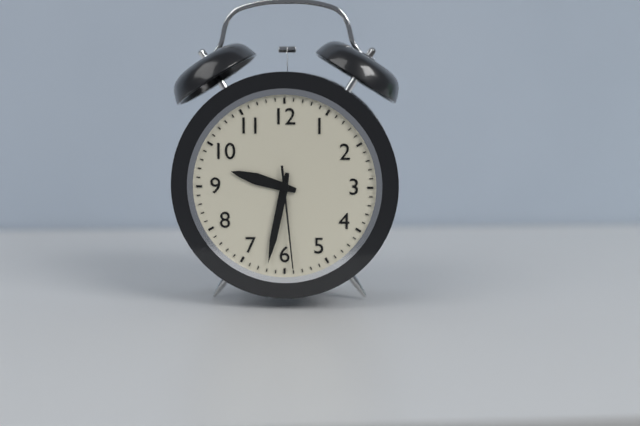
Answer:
{"hour": 9, "minute": 32, "second": 29}
